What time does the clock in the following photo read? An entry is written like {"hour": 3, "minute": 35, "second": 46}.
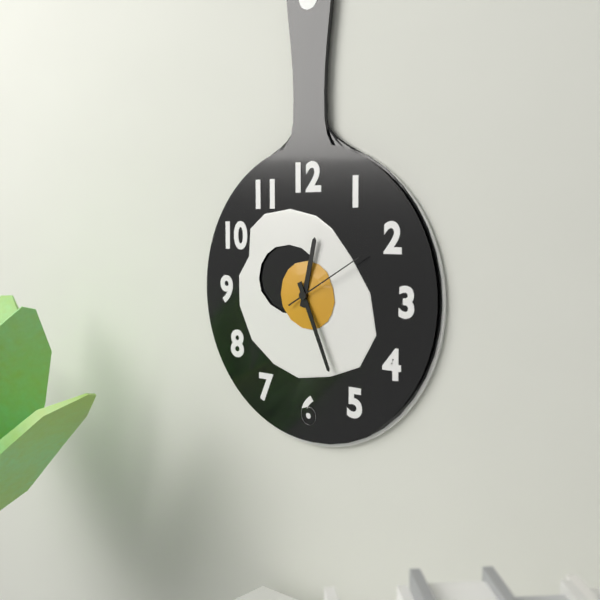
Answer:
{"hour": 12, "minute": 26, "second": 10}
